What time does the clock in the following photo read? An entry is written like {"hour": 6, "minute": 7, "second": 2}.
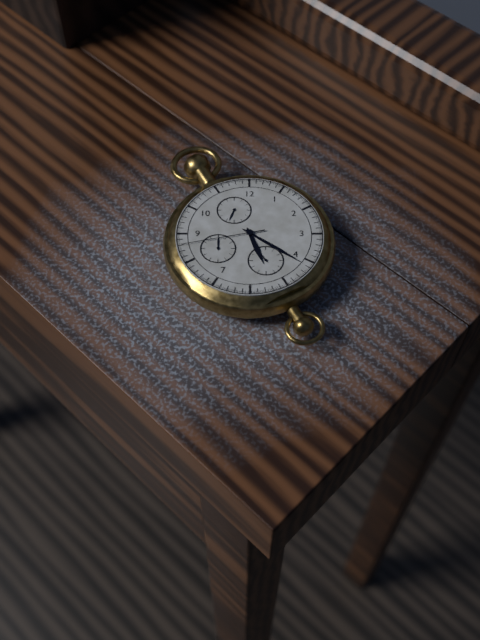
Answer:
{"hour": 5, "minute": 21, "second": 43}
